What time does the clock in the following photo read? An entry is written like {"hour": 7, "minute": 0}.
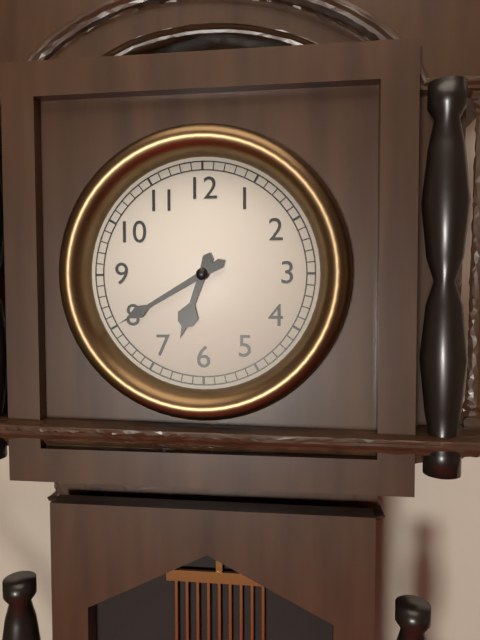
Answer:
{"hour": 6, "minute": 40}
